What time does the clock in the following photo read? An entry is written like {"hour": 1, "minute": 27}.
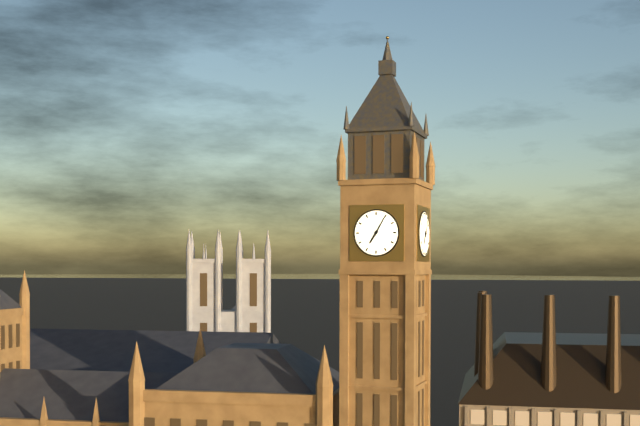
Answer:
{"hour": 7, "minute": 5}
